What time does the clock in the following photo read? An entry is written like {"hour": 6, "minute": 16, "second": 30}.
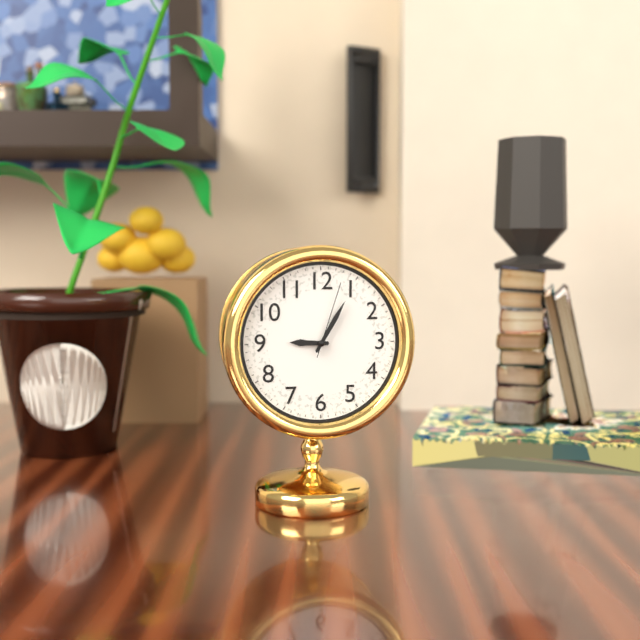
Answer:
{"hour": 9, "minute": 5, "second": 3}
